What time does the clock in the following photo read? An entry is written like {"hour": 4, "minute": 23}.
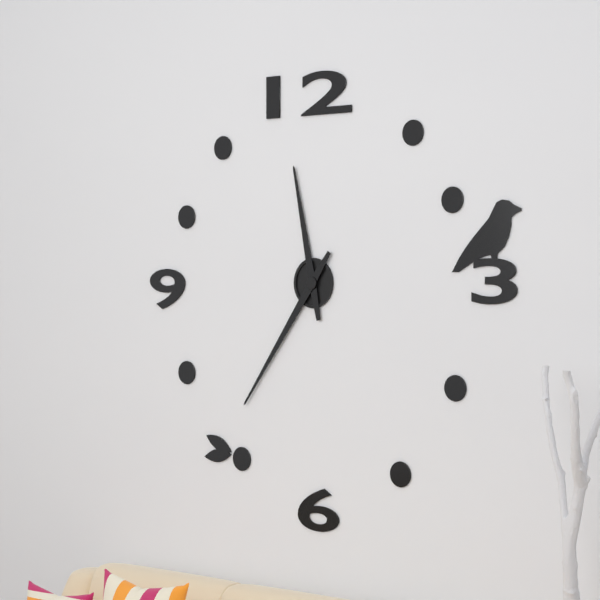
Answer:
{"hour": 11, "minute": 36}
